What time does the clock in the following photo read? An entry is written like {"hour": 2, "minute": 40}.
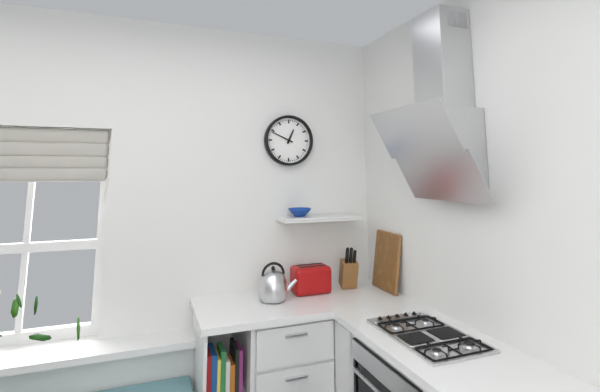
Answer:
{"hour": 12, "minute": 49}
